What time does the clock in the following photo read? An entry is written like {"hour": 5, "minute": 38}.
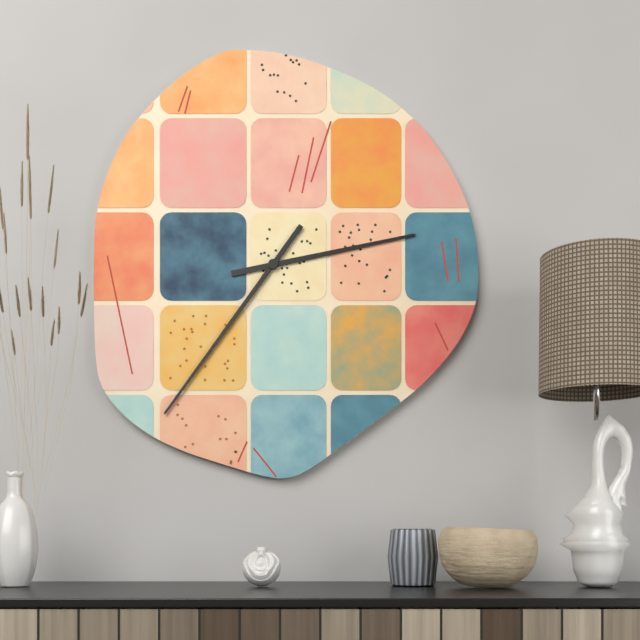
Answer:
{"hour": 2, "minute": 36}
